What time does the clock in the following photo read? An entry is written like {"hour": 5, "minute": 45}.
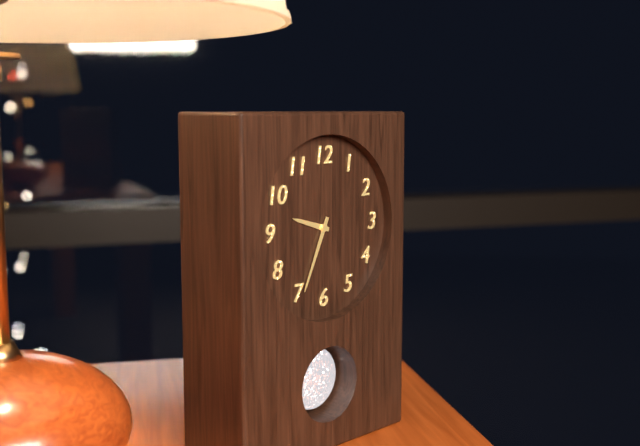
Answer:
{"hour": 9, "minute": 34}
